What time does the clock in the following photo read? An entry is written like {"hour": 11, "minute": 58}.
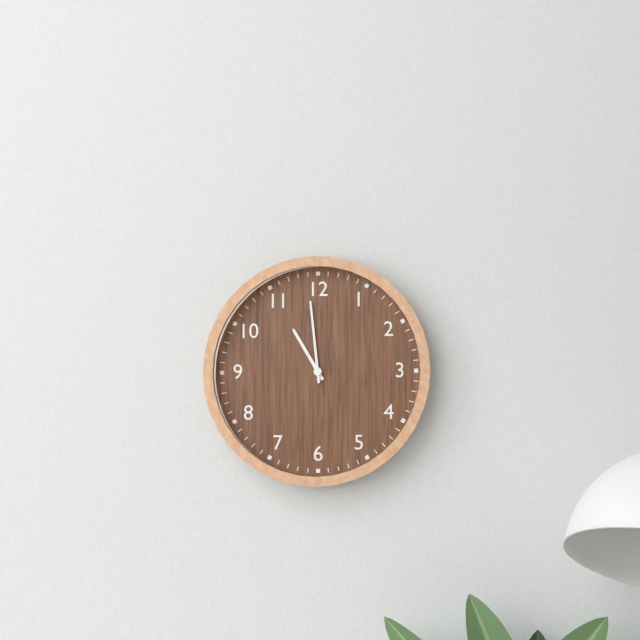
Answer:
{"hour": 10, "minute": 59}
